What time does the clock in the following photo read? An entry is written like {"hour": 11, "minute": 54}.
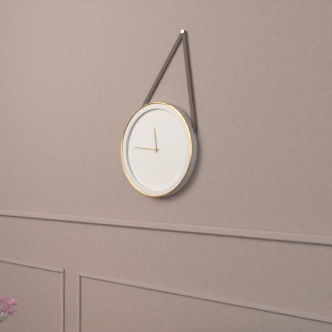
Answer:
{"hour": 11, "minute": 46}
